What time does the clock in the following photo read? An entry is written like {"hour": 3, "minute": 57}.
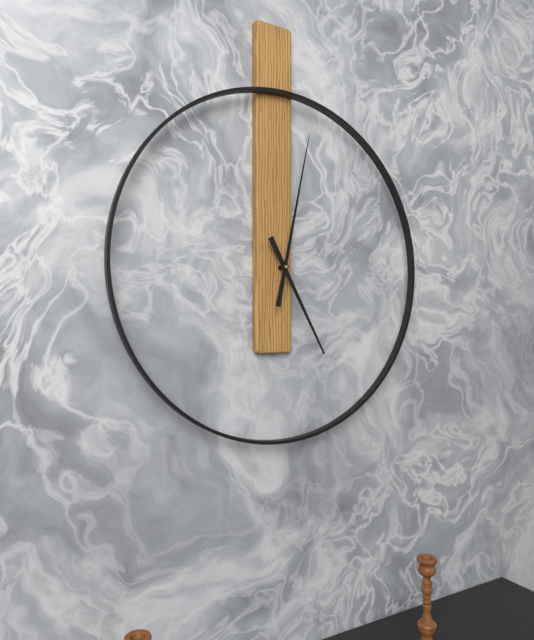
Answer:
{"hour": 5, "minute": 2}
